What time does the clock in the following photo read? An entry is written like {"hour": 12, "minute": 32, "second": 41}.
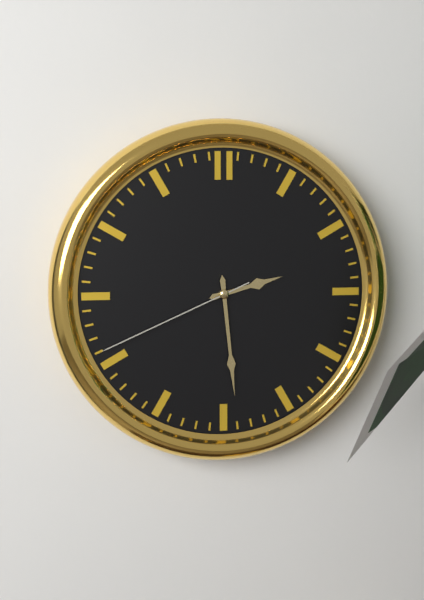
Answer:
{"hour": 2, "minute": 29, "second": 41}
